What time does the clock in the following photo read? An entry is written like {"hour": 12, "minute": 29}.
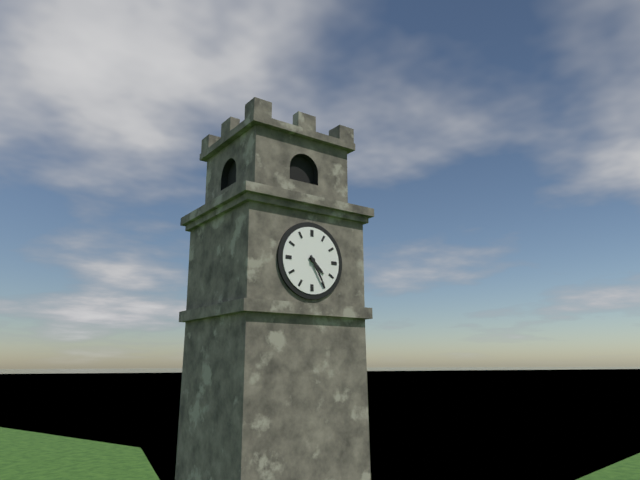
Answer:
{"hour": 4, "minute": 25}
